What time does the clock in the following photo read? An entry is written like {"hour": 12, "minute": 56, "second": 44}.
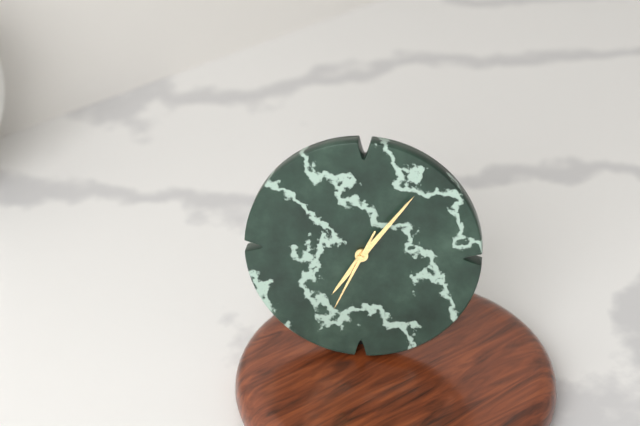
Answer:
{"hour": 7, "minute": 6, "second": 34}
